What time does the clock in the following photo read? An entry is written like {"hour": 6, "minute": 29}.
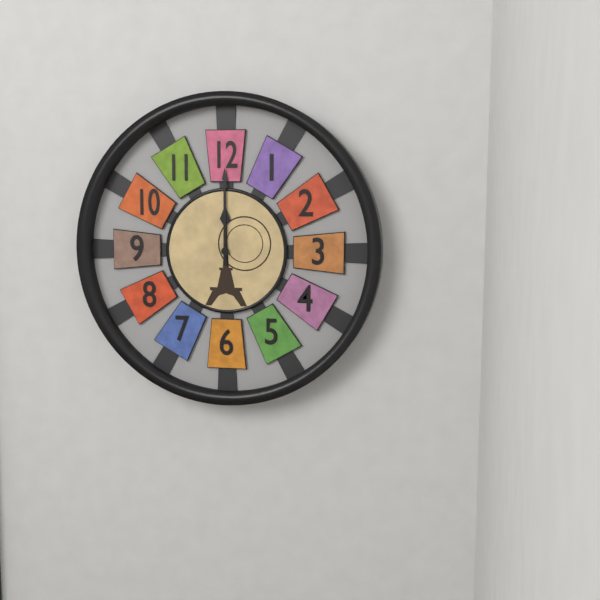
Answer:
{"hour": 12, "minute": 0}
